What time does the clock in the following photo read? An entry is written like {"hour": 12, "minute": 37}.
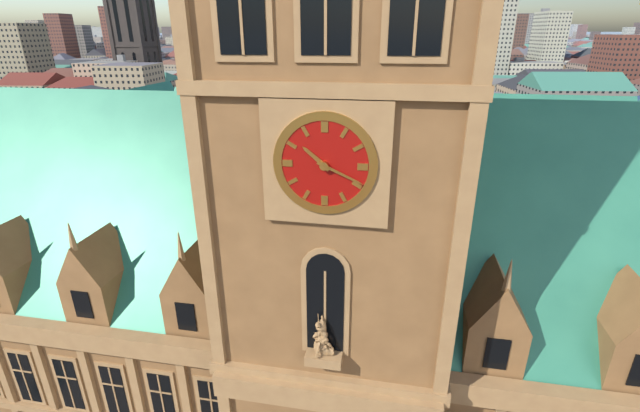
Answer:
{"hour": 10, "minute": 19}
